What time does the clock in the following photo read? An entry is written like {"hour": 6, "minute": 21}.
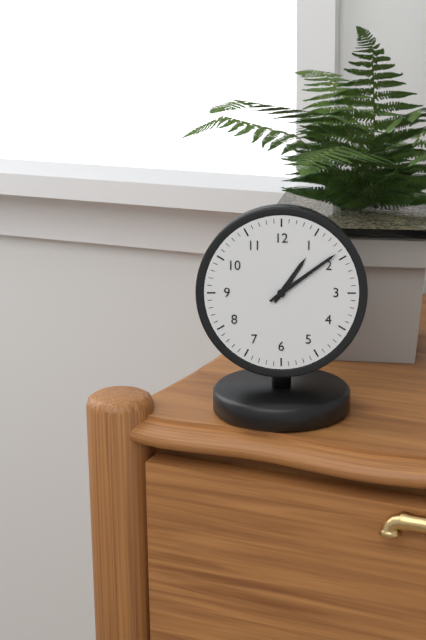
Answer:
{"hour": 1, "minute": 9}
